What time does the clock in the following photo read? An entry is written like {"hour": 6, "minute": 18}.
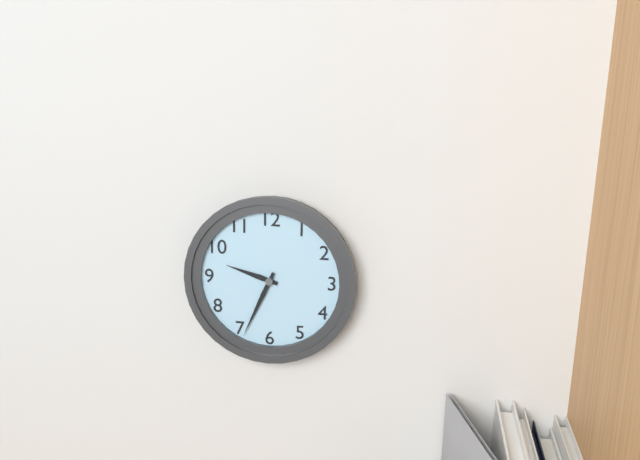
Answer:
{"hour": 9, "minute": 34}
